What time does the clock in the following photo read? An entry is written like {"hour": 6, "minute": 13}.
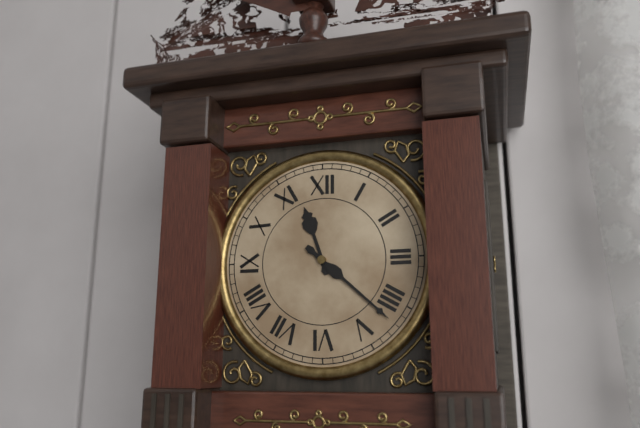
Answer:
{"hour": 11, "minute": 22}
